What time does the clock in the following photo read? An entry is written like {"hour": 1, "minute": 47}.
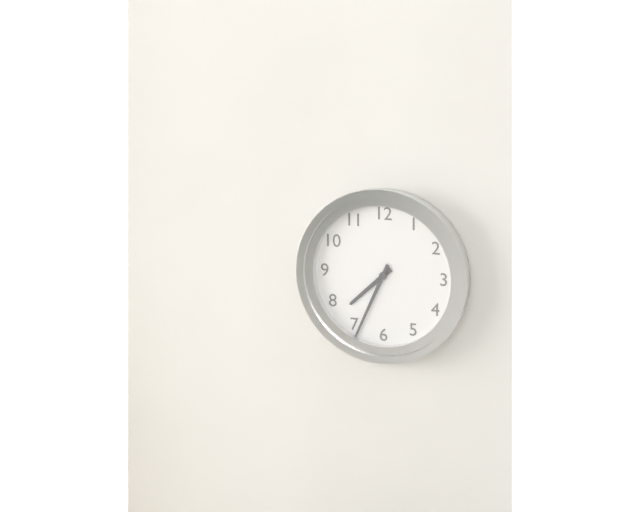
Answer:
{"hour": 7, "minute": 34}
